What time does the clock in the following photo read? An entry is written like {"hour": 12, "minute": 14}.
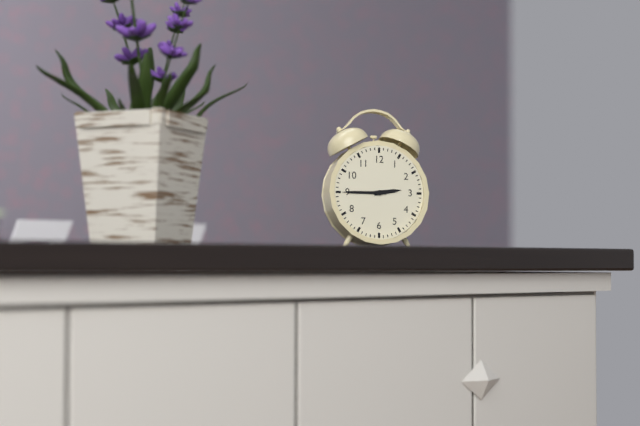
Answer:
{"hour": 2, "minute": 45}
